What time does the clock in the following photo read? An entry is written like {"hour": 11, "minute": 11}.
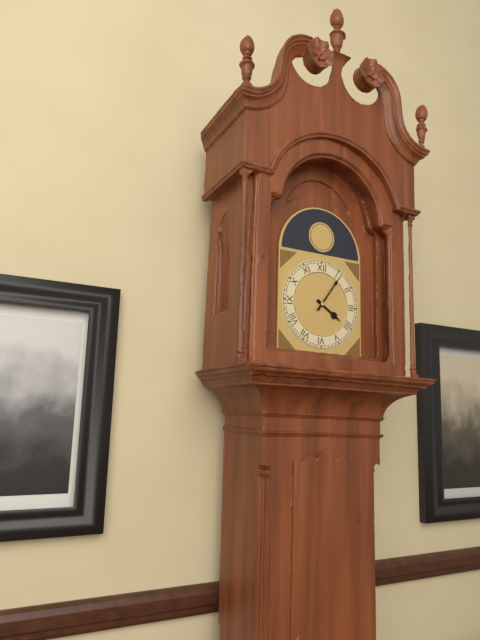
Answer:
{"hour": 4, "minute": 6}
